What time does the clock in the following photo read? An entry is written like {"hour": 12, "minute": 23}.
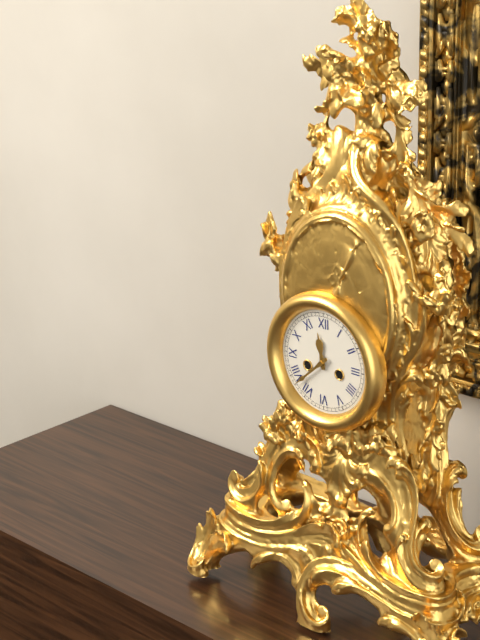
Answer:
{"hour": 11, "minute": 38}
